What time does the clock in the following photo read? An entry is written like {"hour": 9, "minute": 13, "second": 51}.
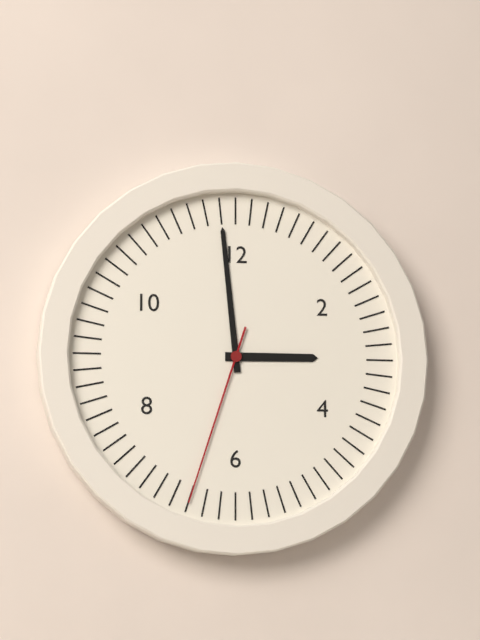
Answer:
{"hour": 2, "minute": 59, "second": 33}
